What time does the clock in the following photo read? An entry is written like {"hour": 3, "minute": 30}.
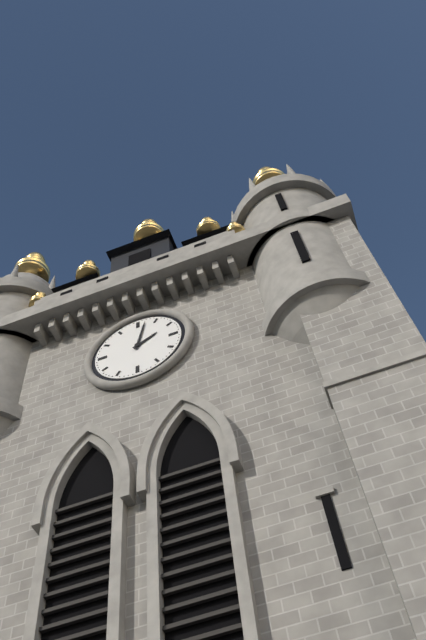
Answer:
{"hour": 2, "minute": 2}
